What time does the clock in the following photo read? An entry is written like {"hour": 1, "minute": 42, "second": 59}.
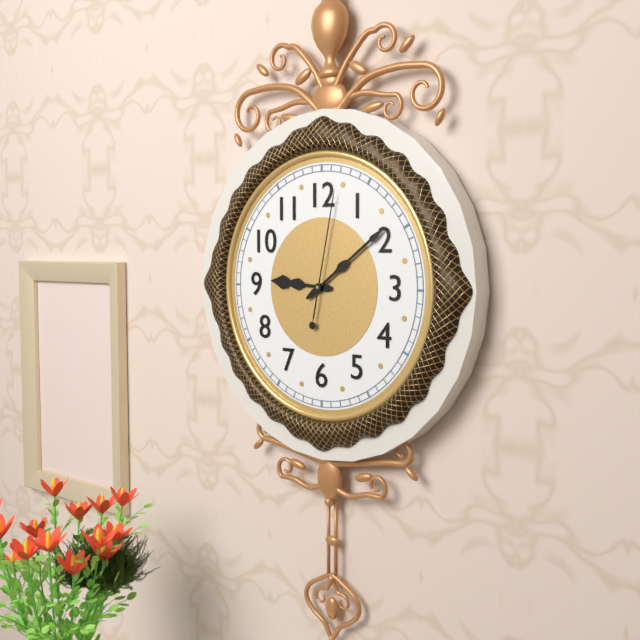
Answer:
{"hour": 9, "minute": 9, "second": 2}
